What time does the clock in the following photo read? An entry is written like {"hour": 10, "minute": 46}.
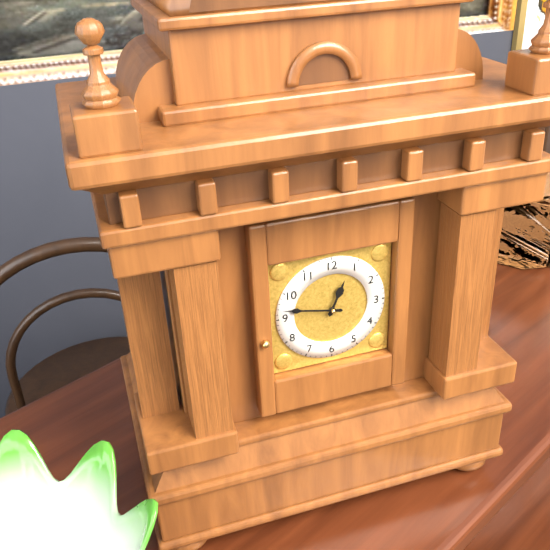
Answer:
{"hour": 12, "minute": 47}
